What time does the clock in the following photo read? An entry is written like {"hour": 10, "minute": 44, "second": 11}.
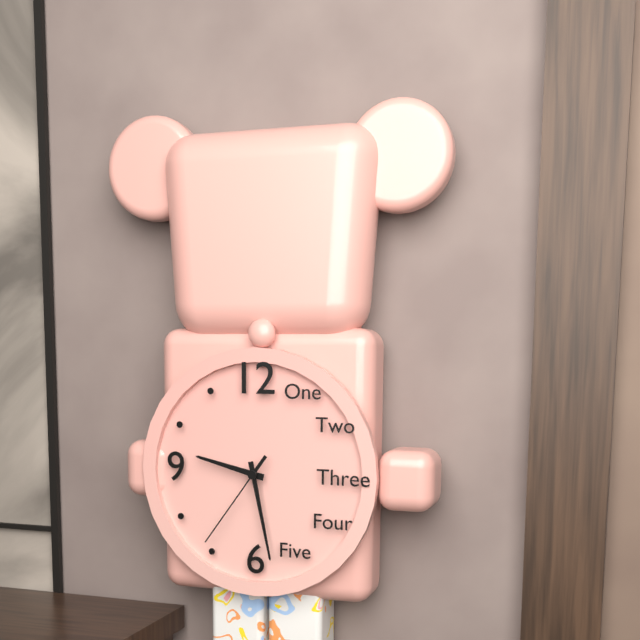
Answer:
{"hour": 9, "minute": 28, "second": 36}
